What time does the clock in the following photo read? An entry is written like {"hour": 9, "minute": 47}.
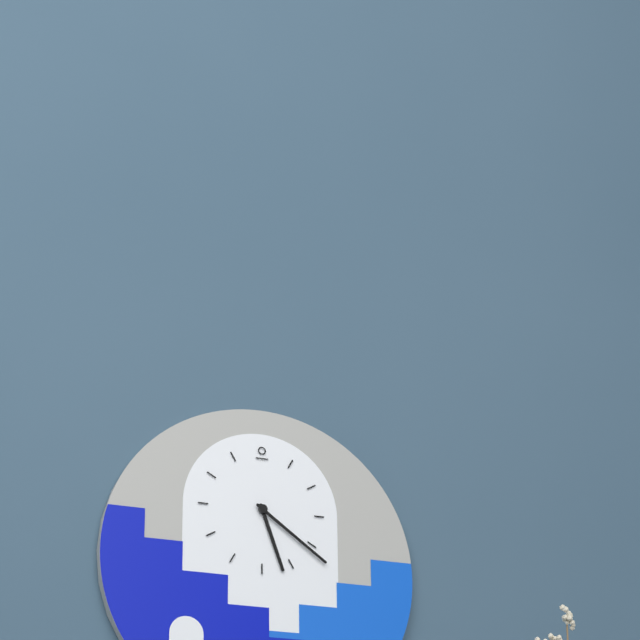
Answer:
{"hour": 5, "minute": 21}
